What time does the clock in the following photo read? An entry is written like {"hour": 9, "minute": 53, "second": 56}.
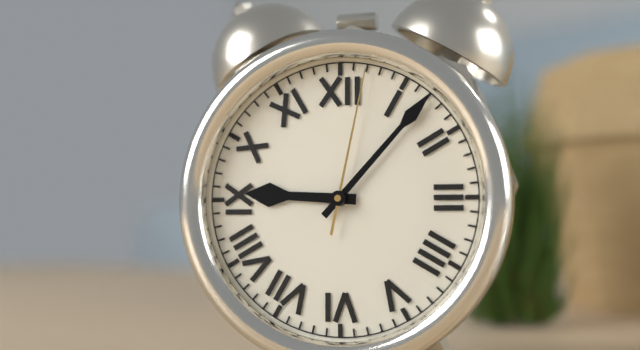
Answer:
{"hour": 9, "minute": 7, "second": 2}
